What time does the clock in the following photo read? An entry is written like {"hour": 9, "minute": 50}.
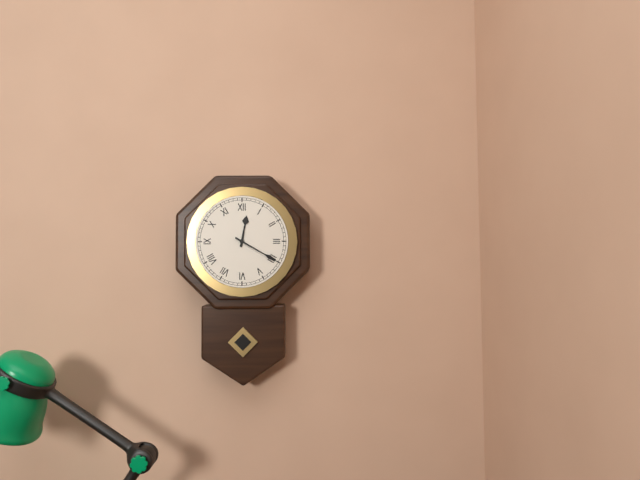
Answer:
{"hour": 12, "minute": 20}
